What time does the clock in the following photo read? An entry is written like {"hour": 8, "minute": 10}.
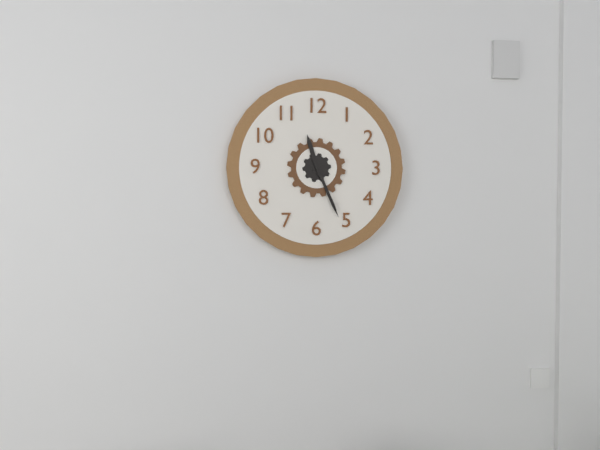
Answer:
{"hour": 11, "minute": 26}
